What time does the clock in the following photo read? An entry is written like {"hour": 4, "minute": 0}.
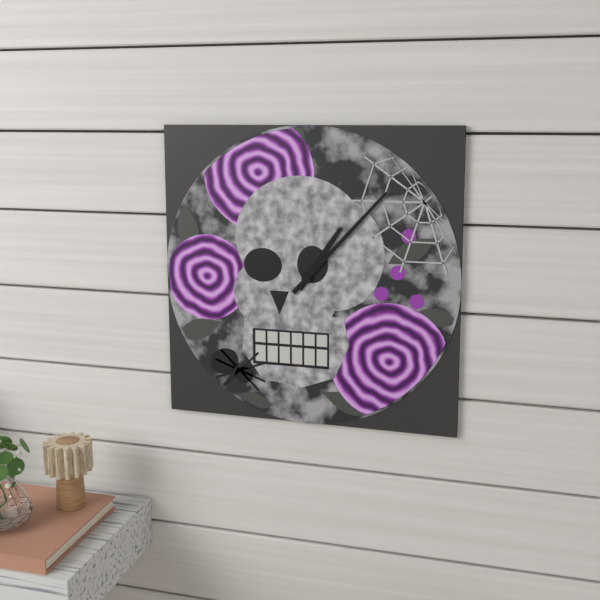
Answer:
{"hour": 1, "minute": 7}
